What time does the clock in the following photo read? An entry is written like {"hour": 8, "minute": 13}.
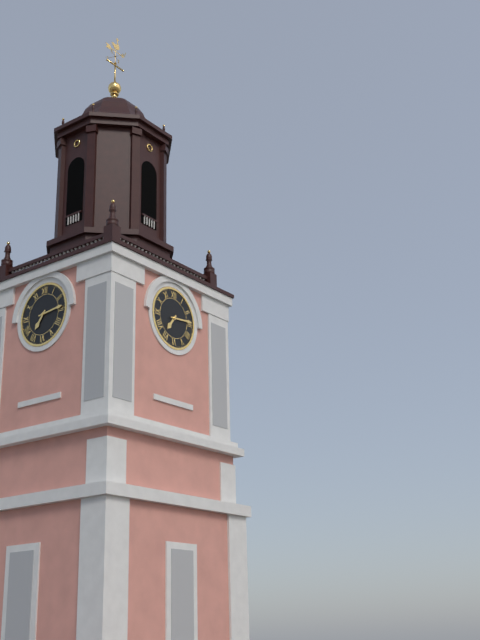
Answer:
{"hour": 7, "minute": 14}
